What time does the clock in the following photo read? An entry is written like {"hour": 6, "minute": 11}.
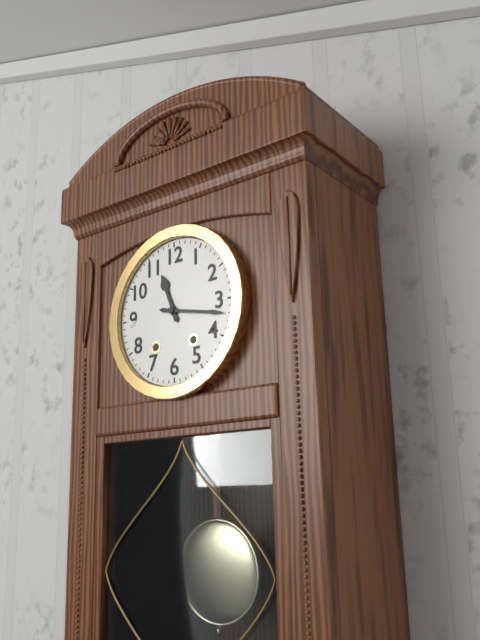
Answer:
{"hour": 11, "minute": 17}
